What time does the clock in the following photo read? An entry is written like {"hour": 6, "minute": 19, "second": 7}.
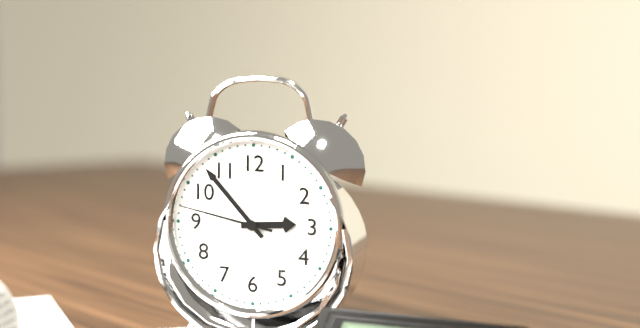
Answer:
{"hour": 2, "minute": 53, "second": 47}
